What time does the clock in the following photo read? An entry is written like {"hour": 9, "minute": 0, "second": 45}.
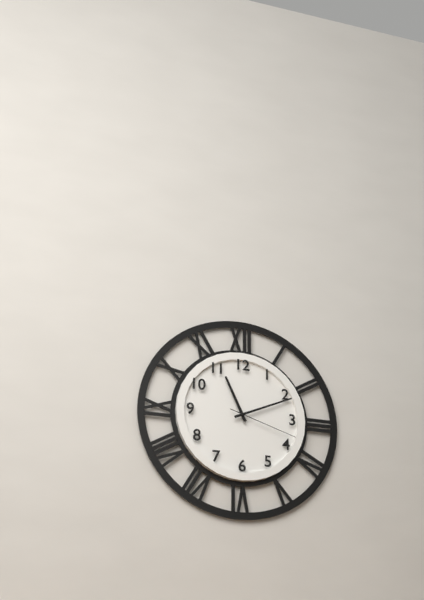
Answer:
{"hour": 11, "minute": 11, "second": 18}
